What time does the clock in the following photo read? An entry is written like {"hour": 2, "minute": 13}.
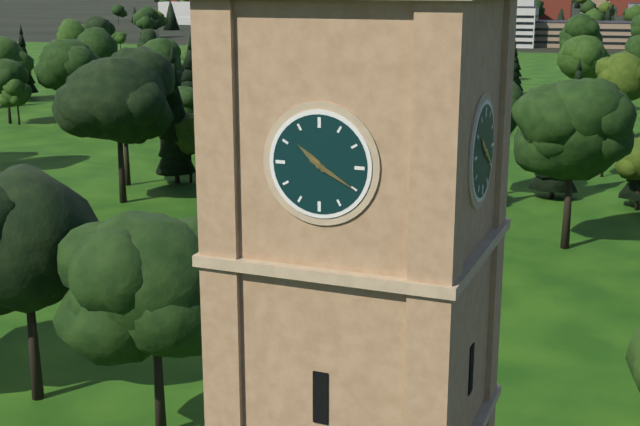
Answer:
{"hour": 10, "minute": 20}
